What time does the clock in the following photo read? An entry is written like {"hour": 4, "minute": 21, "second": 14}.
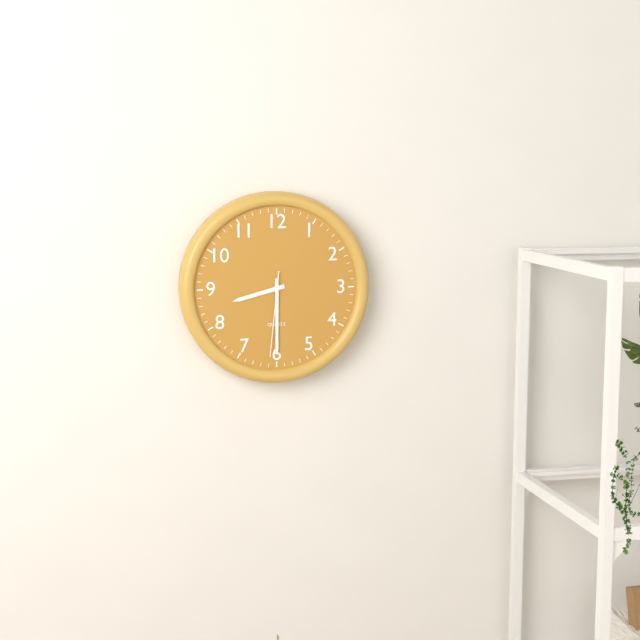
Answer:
{"hour": 8, "minute": 30, "second": 31}
